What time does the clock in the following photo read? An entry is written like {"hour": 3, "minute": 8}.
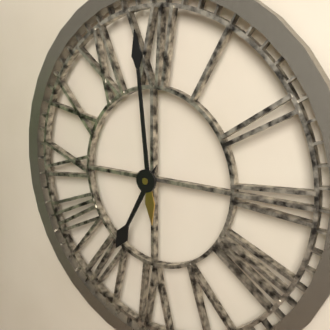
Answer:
{"hour": 6, "minute": 59}
